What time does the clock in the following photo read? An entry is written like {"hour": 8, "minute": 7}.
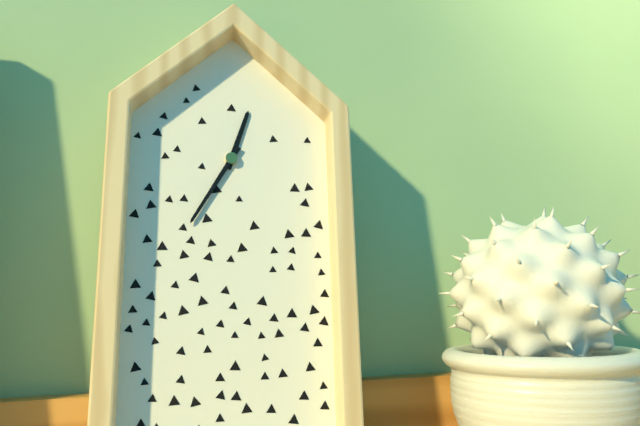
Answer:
{"hour": 12, "minute": 35}
